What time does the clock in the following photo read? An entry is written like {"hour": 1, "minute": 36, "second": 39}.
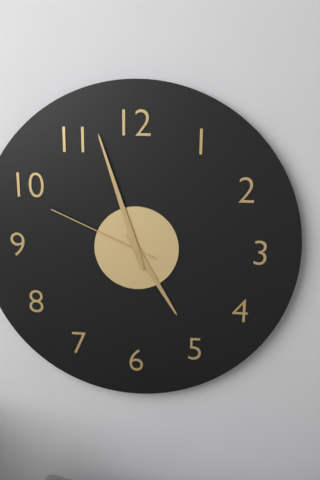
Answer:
{"hour": 4, "minute": 57, "second": 49}
